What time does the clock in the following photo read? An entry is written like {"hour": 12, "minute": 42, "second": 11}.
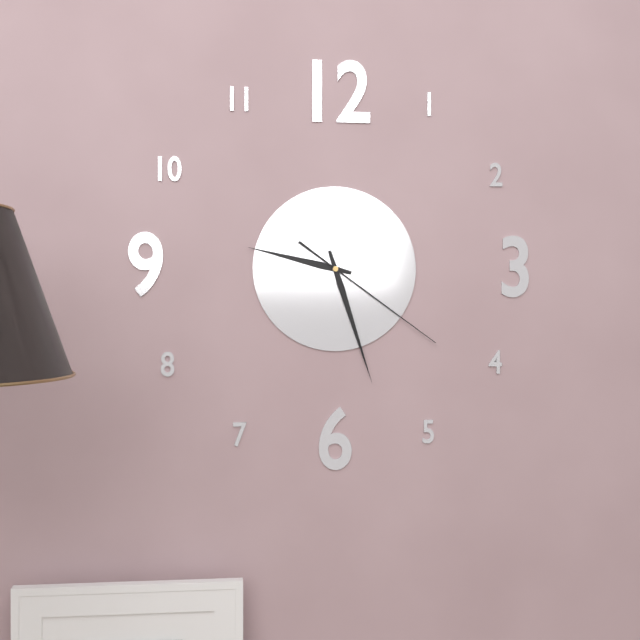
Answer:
{"hour": 9, "minute": 27, "second": 21}
